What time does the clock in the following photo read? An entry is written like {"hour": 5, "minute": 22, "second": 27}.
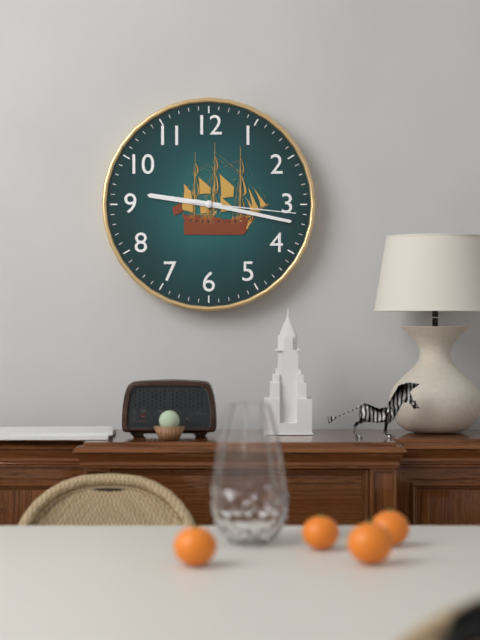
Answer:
{"hour": 9, "minute": 17, "second": 16}
